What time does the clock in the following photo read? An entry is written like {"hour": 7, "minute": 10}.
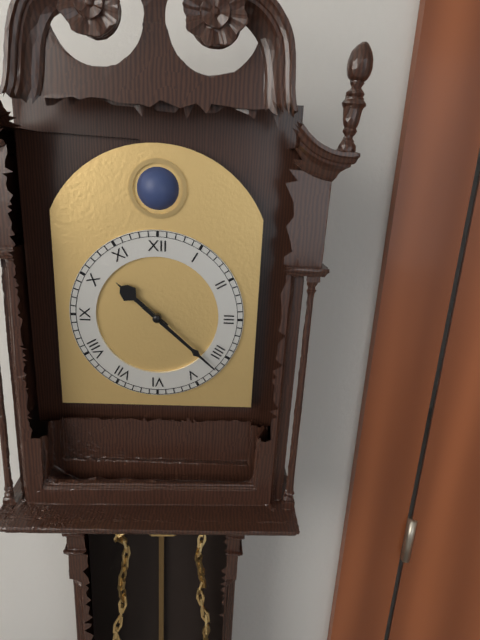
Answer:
{"hour": 10, "minute": 22}
